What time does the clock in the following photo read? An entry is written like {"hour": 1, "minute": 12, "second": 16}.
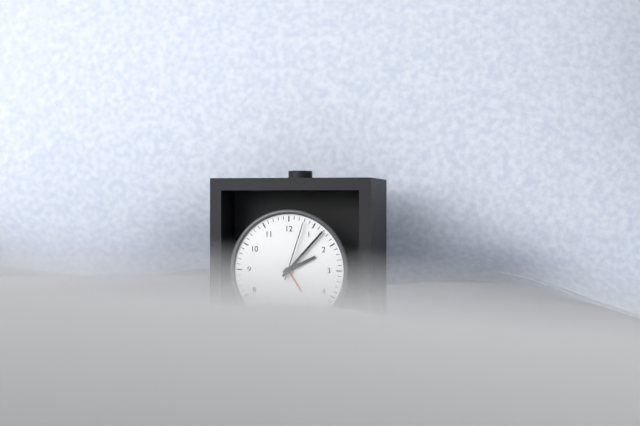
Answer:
{"hour": 2, "minute": 7, "second": 3}
